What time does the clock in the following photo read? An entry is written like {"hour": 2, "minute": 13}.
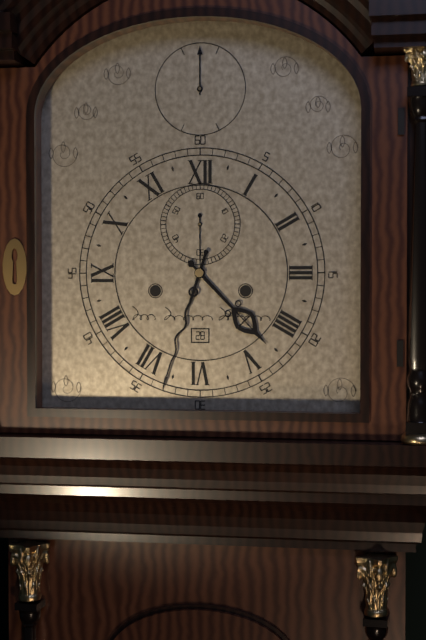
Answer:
{"hour": 4, "minute": 33}
